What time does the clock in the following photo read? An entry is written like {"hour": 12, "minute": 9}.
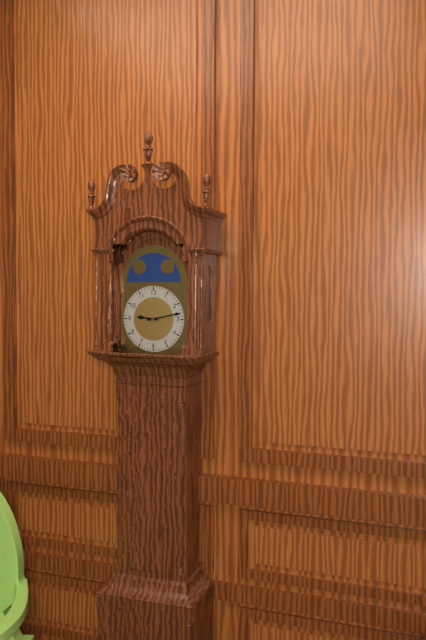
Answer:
{"hour": 9, "minute": 13}
